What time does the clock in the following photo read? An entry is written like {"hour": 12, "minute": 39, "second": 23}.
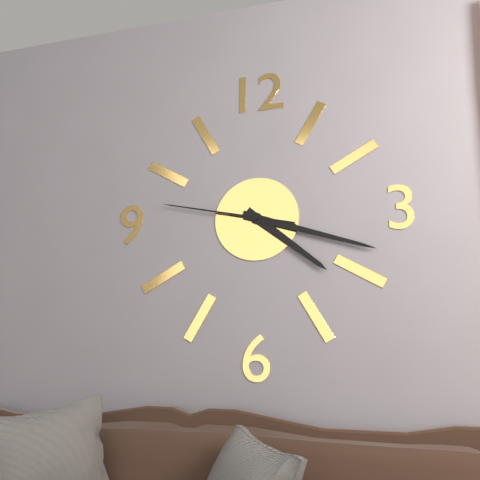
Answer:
{"hour": 4, "minute": 18, "second": 47}
